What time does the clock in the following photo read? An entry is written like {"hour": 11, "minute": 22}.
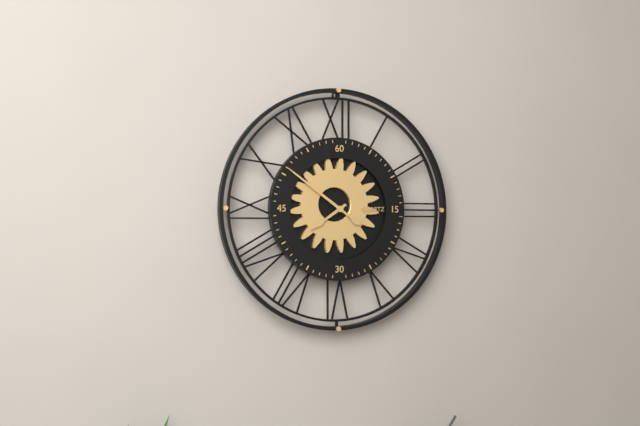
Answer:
{"hour": 7, "minute": 51}
